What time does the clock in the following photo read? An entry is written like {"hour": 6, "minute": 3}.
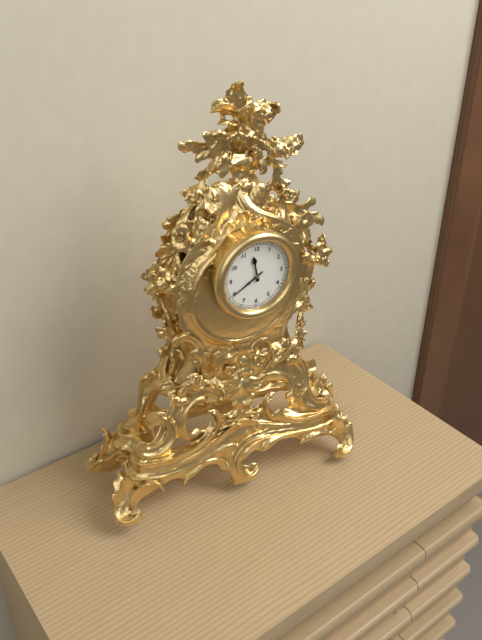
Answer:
{"hour": 11, "minute": 40}
